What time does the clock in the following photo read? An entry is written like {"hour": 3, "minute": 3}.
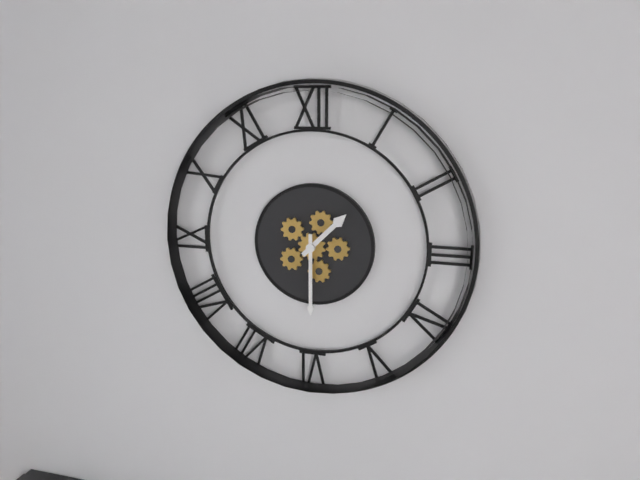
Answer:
{"hour": 1, "minute": 30}
